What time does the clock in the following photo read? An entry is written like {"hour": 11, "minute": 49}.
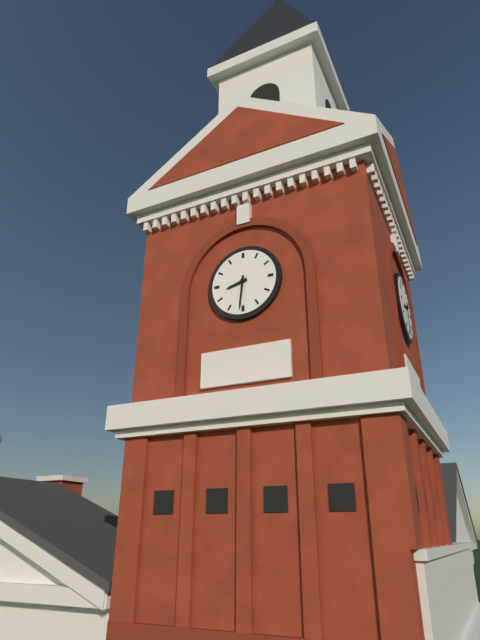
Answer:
{"hour": 8, "minute": 31}
